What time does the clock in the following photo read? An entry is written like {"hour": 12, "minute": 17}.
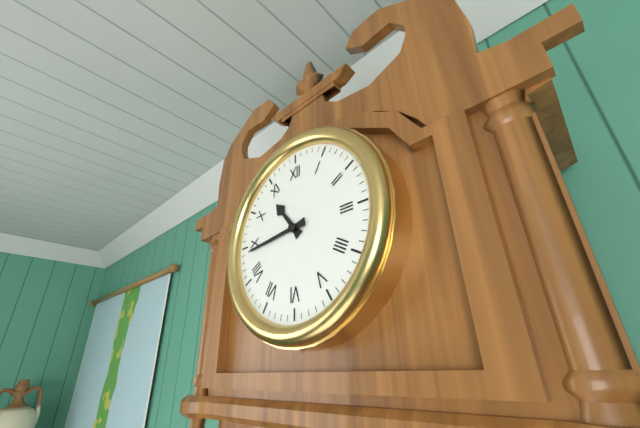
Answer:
{"hour": 10, "minute": 44}
